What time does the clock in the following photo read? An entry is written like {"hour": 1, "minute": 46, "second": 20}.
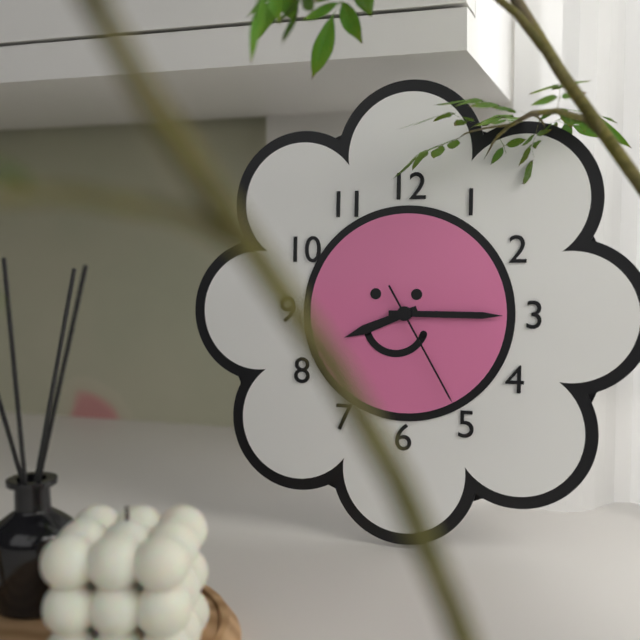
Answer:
{"hour": 8, "minute": 15, "second": 25}
